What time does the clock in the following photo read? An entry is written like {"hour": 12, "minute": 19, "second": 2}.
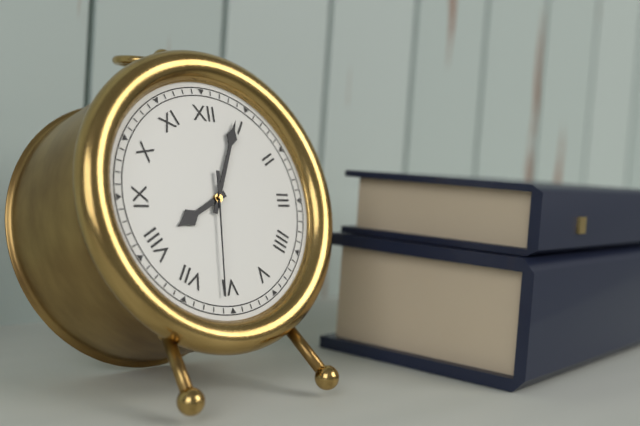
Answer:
{"hour": 8, "minute": 4, "second": 31}
